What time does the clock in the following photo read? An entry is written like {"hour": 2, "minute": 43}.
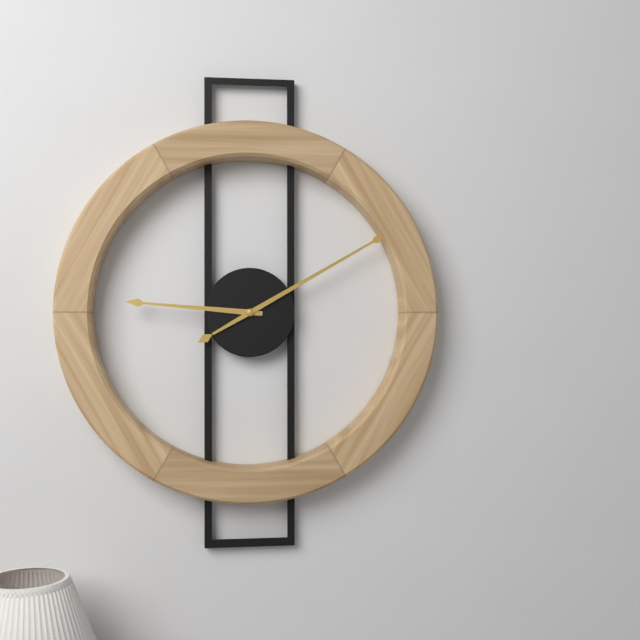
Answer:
{"hour": 9, "minute": 10}
